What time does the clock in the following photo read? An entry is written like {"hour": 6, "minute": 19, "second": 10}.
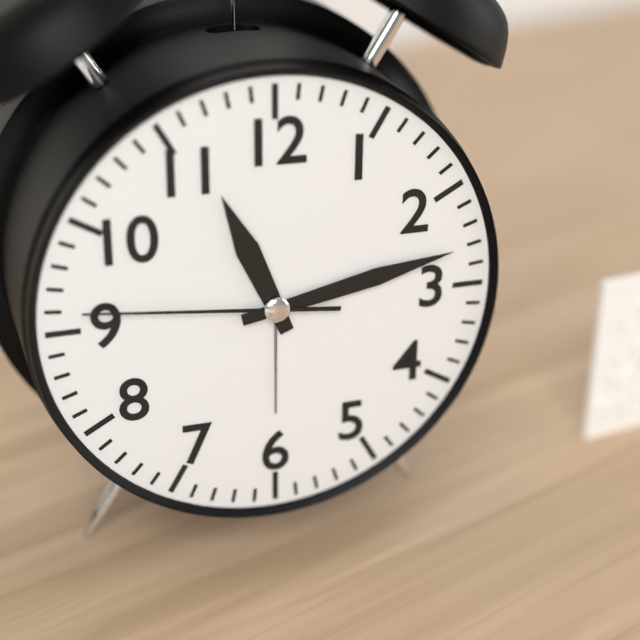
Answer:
{"hour": 11, "minute": 13, "second": 46}
